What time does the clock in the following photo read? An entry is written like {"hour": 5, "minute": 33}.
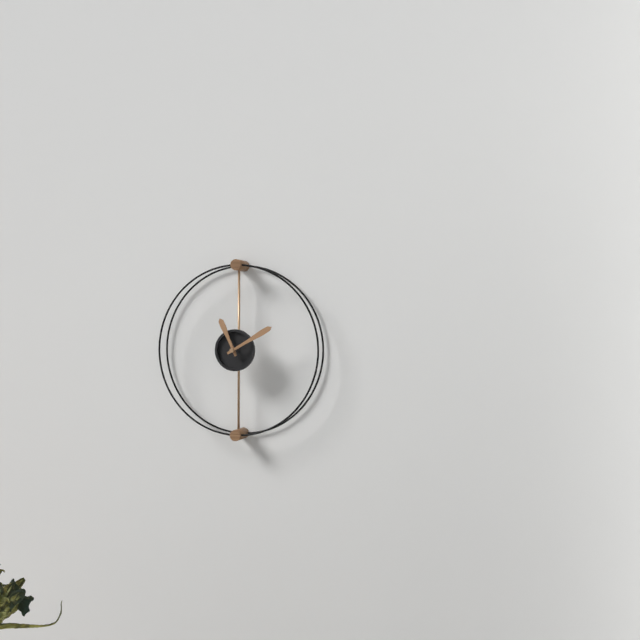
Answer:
{"hour": 11, "minute": 10}
